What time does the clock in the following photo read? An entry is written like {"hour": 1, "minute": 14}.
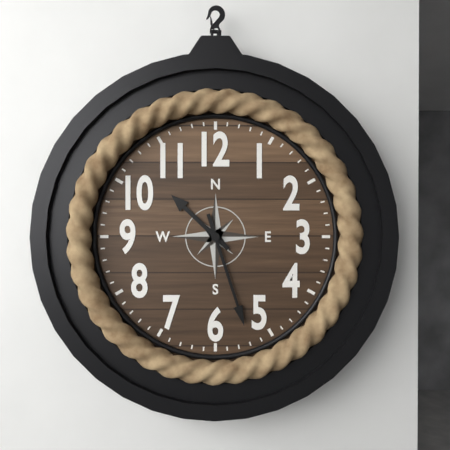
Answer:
{"hour": 10, "minute": 27}
